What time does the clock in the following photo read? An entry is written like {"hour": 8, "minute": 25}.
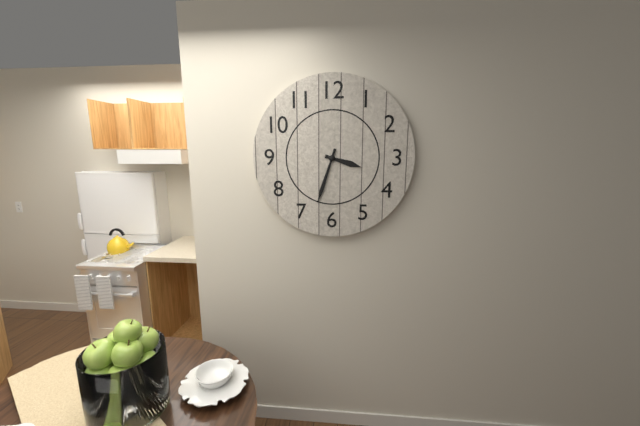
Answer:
{"hour": 3, "minute": 33}
